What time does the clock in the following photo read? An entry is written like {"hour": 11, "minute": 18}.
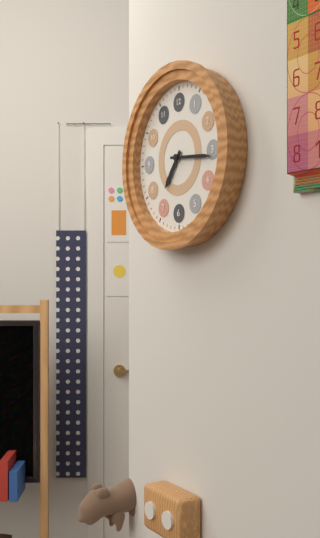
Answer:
{"hour": 7, "minute": 16}
